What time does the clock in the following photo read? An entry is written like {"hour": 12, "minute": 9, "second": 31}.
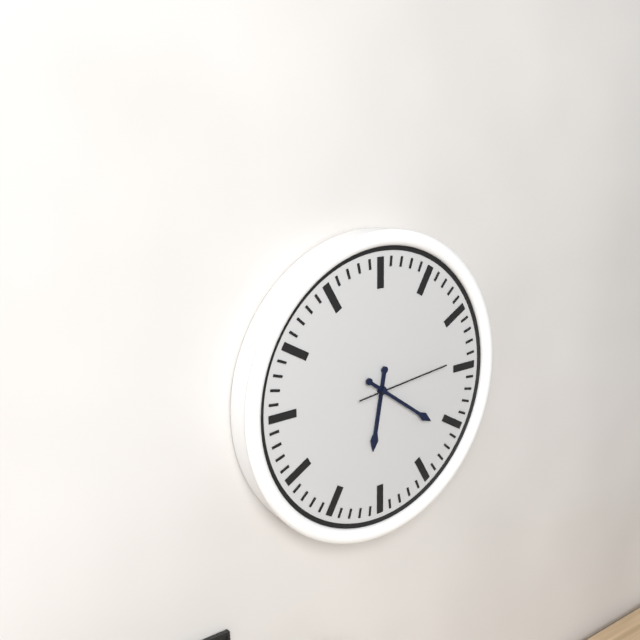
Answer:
{"hour": 6, "minute": 21, "second": 14}
